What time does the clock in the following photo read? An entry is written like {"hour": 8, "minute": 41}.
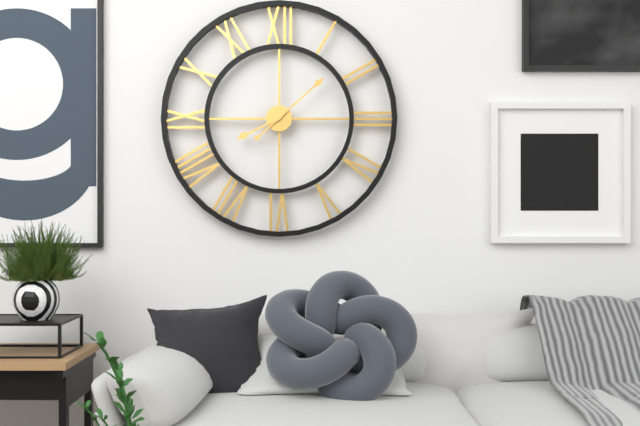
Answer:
{"hour": 8, "minute": 8}
